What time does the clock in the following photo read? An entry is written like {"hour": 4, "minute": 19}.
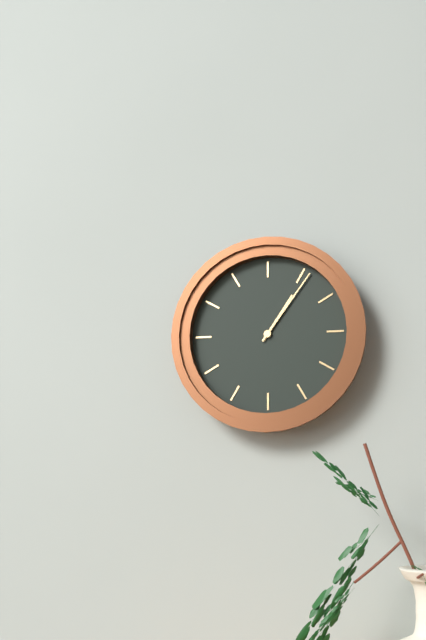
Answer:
{"hour": 1, "minute": 6}
